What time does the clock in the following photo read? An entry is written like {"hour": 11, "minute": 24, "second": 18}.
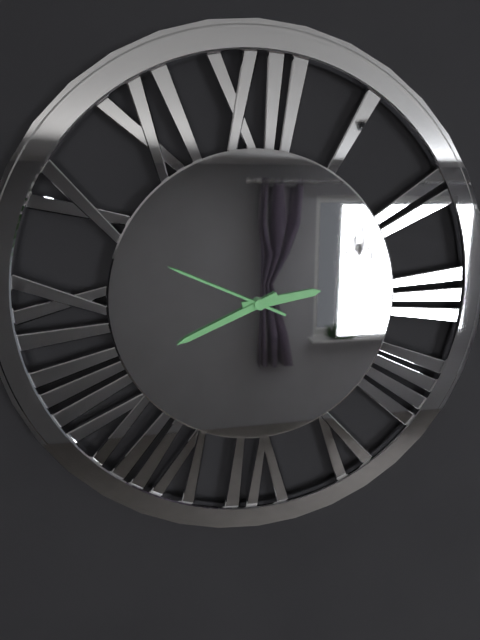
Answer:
{"hour": 2, "minute": 41, "second": 49}
